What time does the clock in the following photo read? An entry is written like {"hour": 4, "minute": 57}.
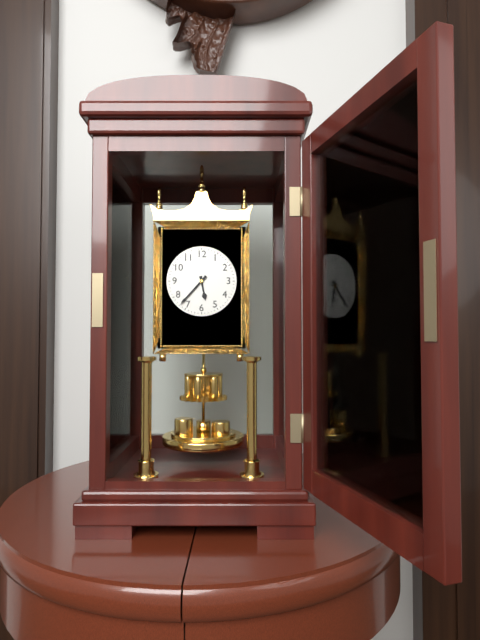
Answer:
{"hour": 5, "minute": 37}
